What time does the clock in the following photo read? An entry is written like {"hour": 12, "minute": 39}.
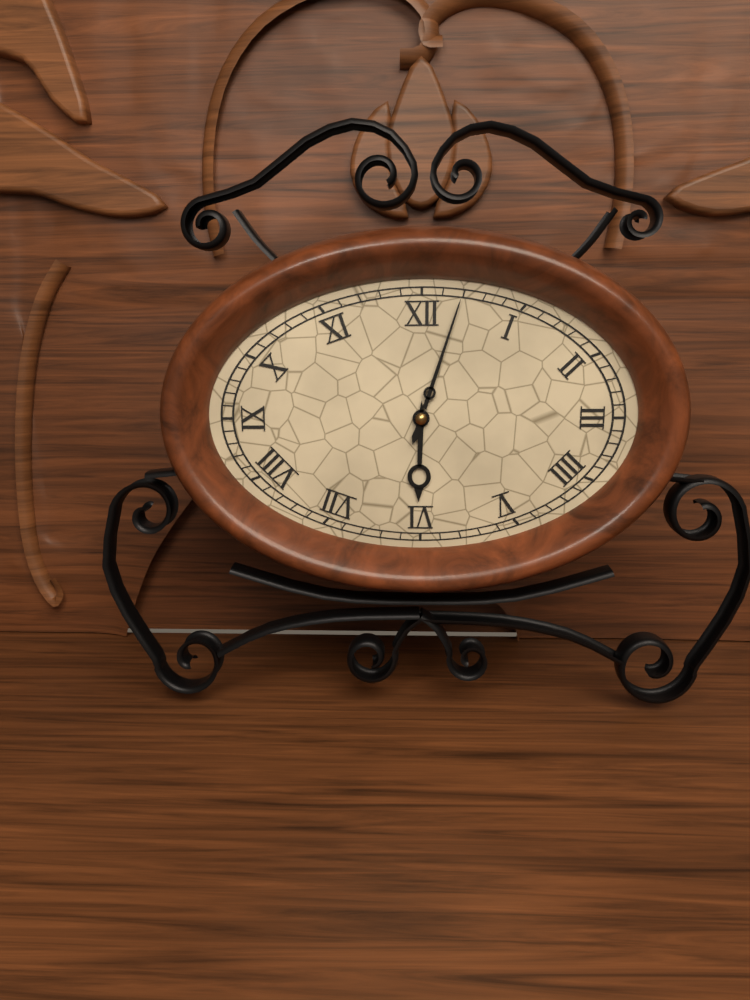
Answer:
{"hour": 6, "minute": 3}
